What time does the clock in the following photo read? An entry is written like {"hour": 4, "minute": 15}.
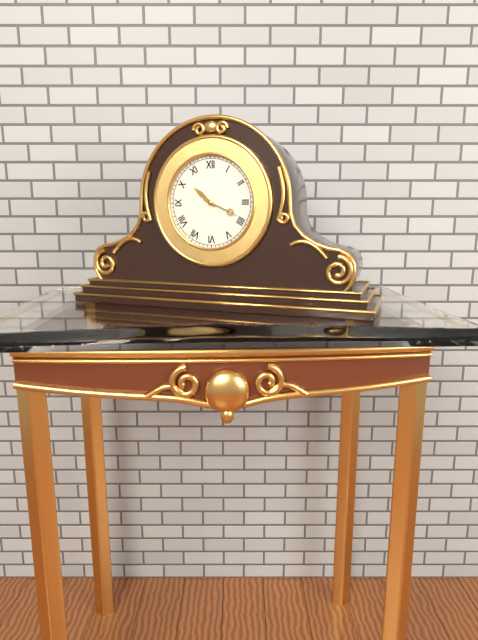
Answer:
{"hour": 10, "minute": 19}
